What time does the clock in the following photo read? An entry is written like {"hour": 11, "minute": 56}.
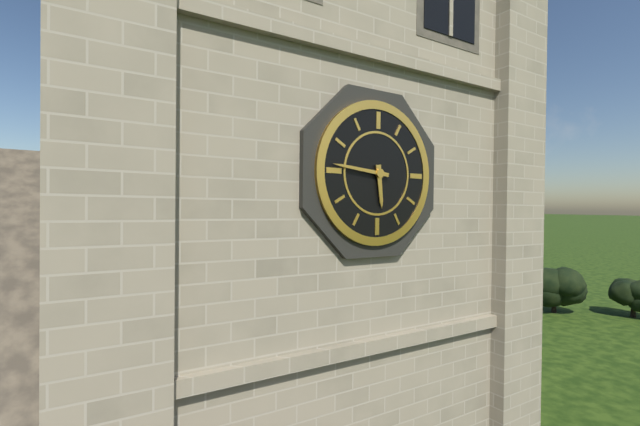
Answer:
{"hour": 5, "minute": 46}
